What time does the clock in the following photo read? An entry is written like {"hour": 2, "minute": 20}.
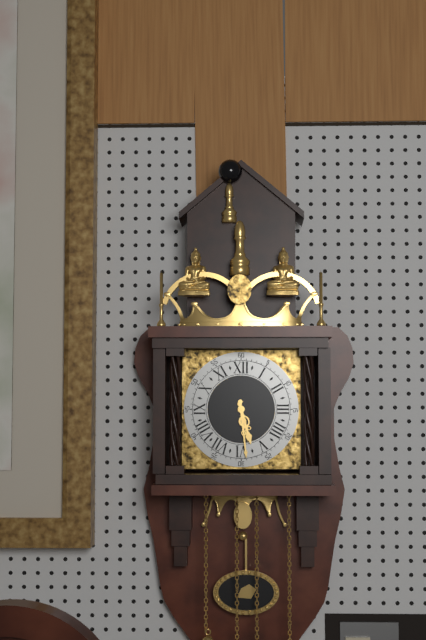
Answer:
{"hour": 5, "minute": 29}
